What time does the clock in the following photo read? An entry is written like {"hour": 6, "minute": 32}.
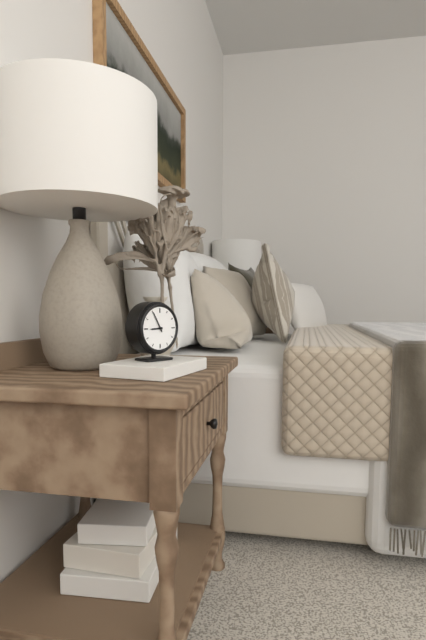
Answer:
{"hour": 8, "minute": 55}
